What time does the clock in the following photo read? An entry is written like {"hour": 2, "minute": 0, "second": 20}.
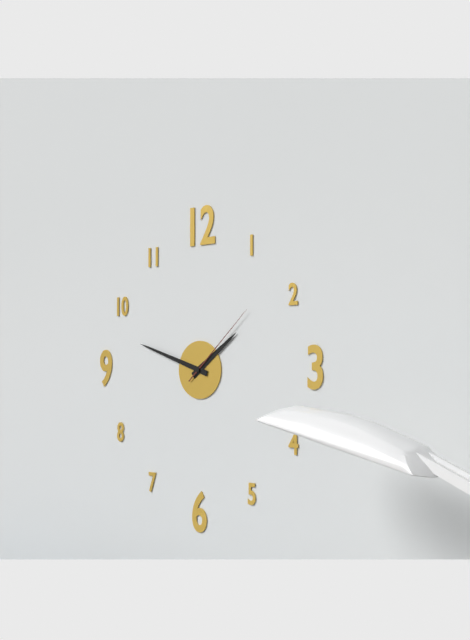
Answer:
{"hour": 1, "minute": 48, "second": 8}
